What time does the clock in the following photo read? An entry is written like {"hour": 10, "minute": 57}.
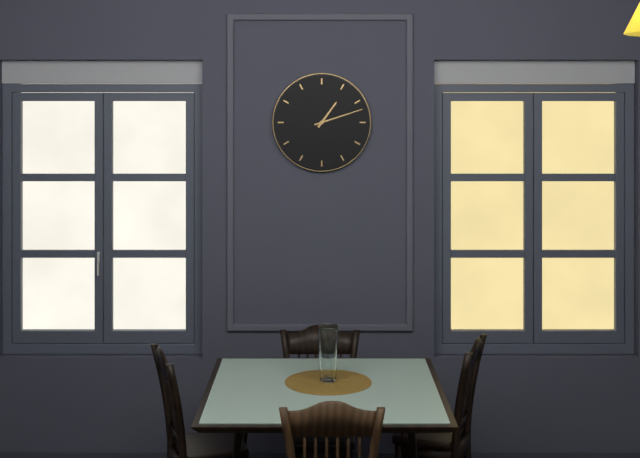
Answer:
{"hour": 1, "minute": 12}
